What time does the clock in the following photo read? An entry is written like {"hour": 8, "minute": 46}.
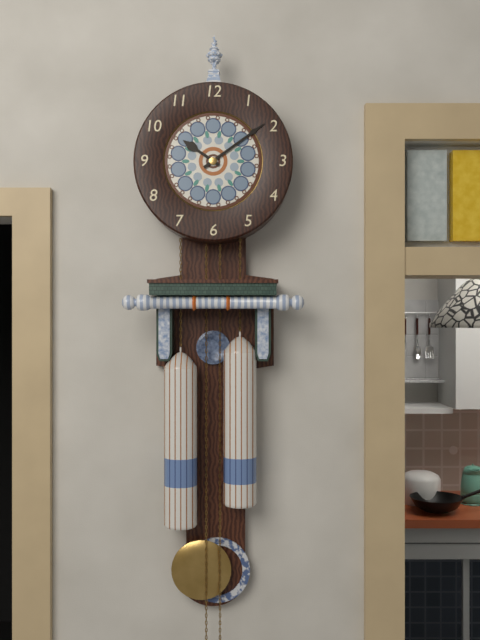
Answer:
{"hour": 10, "minute": 9}
